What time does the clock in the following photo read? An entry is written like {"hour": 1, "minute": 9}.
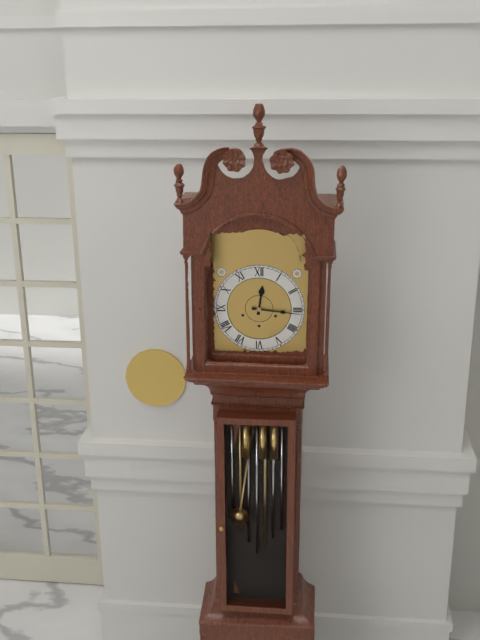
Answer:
{"hour": 12, "minute": 16}
